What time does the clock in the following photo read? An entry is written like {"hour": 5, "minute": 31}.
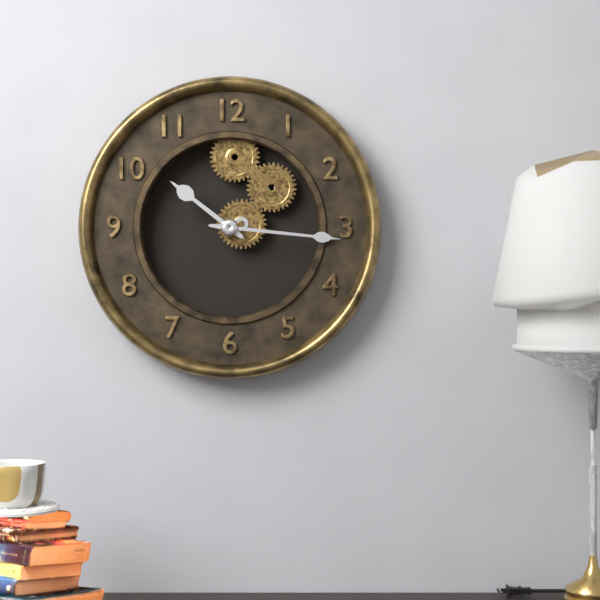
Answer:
{"hour": 10, "minute": 16}
